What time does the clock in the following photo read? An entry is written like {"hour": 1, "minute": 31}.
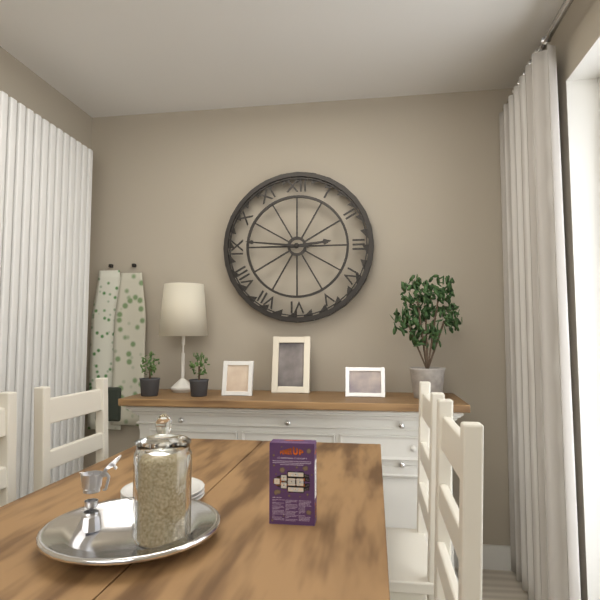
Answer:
{"hour": 2, "minute": 46}
